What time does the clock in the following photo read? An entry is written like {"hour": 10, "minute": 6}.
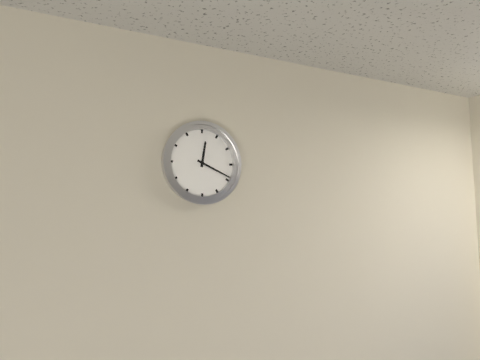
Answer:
{"hour": 12, "minute": 19}
